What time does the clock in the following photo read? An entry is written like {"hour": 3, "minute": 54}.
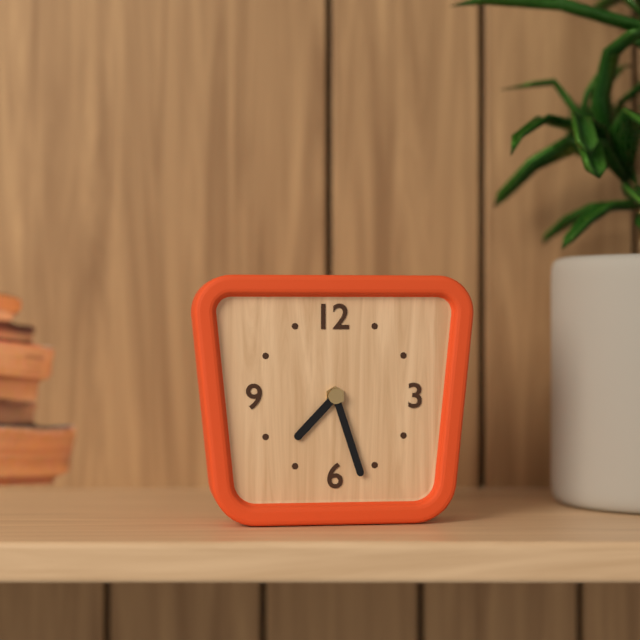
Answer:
{"hour": 7, "minute": 27}
